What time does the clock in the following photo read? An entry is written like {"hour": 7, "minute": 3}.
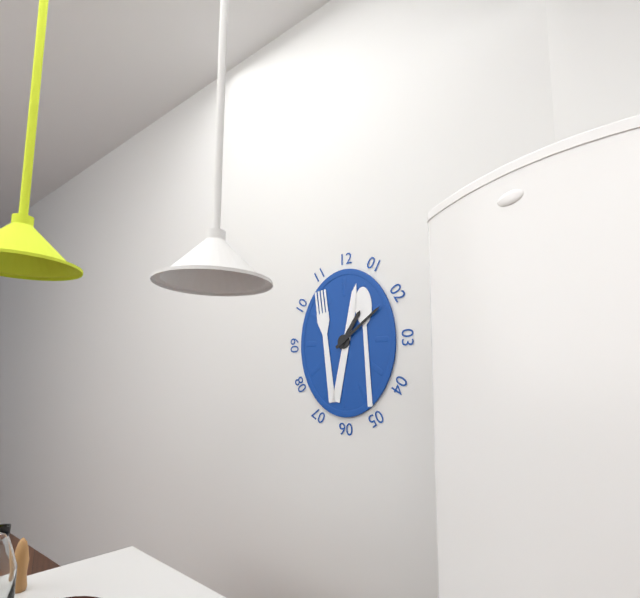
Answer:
{"hour": 1, "minute": 9}
